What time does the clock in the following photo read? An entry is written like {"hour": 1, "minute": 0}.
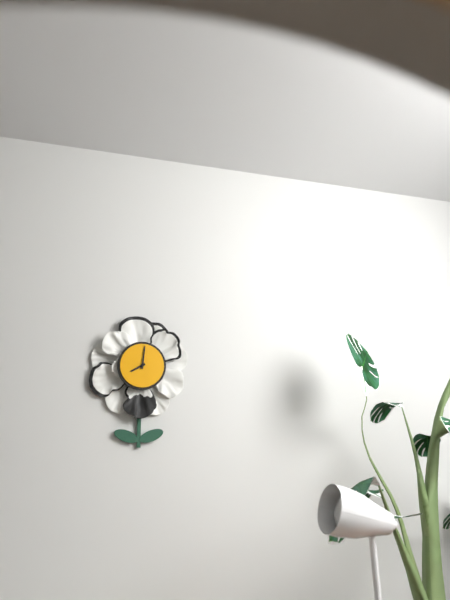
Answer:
{"hour": 8, "minute": 1}
